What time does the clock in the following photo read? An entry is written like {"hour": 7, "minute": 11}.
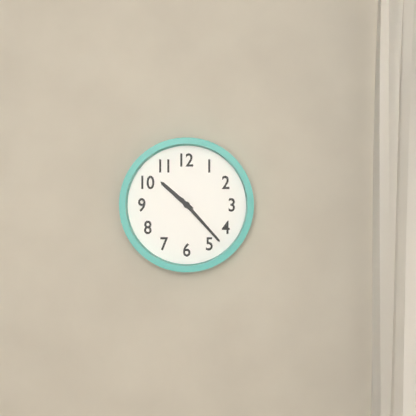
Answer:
{"hour": 10, "minute": 23}
